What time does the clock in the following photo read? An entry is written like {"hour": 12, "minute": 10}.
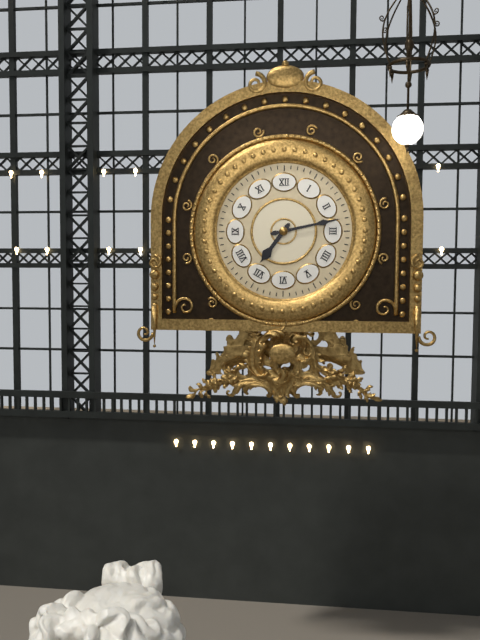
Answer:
{"hour": 7, "minute": 13}
